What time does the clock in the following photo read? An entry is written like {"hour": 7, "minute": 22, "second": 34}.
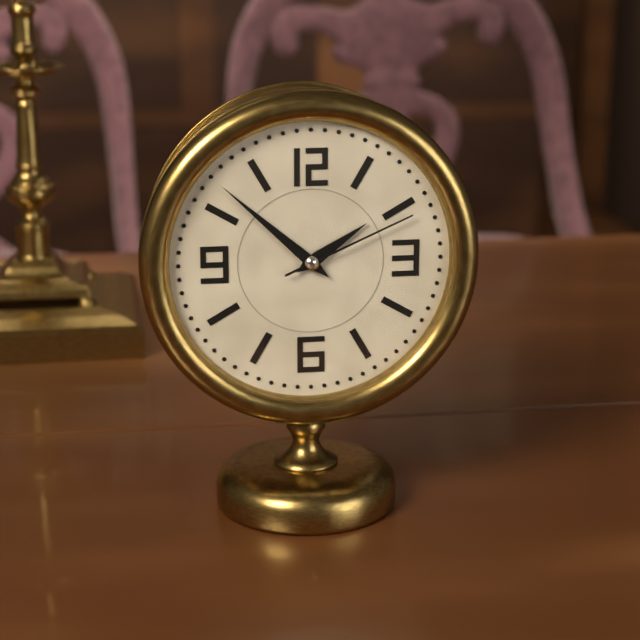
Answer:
{"hour": 1, "minute": 52, "second": 11}
